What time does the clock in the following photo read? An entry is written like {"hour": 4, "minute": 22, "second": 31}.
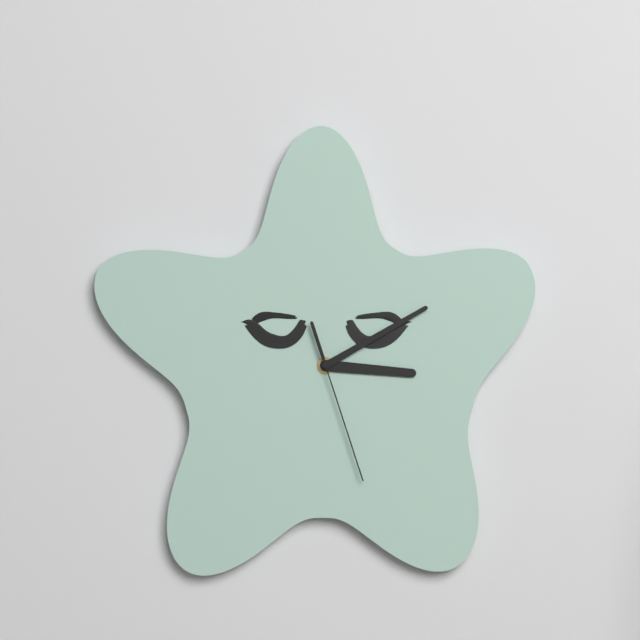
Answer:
{"hour": 3, "minute": 10, "second": 27}
